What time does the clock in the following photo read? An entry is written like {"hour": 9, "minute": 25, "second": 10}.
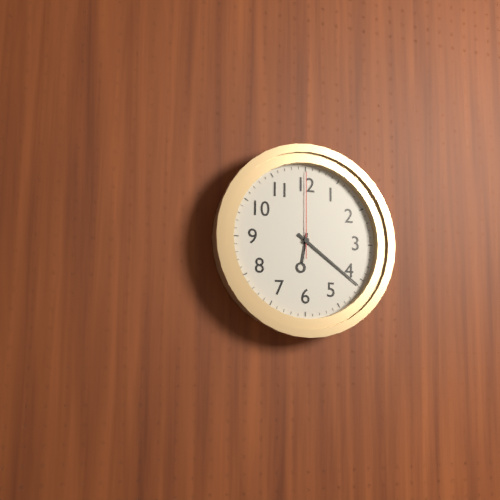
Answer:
{"hour": 6, "minute": 21, "second": 0}
